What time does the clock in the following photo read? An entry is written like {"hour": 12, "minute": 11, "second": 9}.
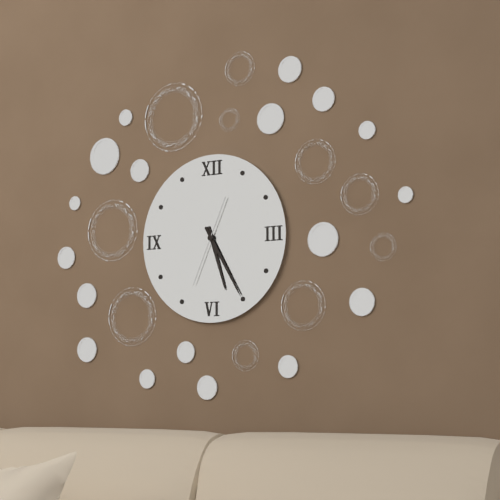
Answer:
{"hour": 5, "minute": 25, "second": 34}
